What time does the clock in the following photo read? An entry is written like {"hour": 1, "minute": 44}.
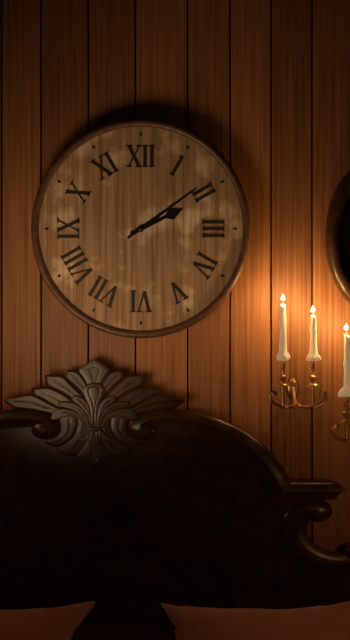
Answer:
{"hour": 2, "minute": 9}
